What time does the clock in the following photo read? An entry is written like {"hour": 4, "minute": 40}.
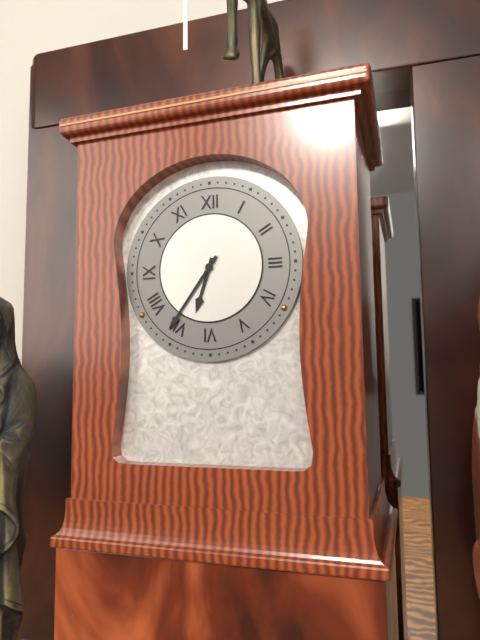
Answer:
{"hour": 6, "minute": 36}
